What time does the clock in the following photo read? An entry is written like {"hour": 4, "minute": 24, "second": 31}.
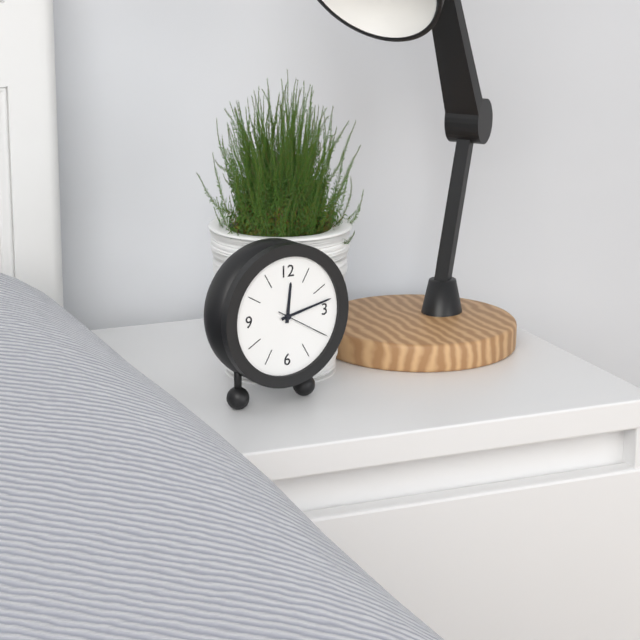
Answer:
{"hour": 12, "minute": 13, "second": 20}
